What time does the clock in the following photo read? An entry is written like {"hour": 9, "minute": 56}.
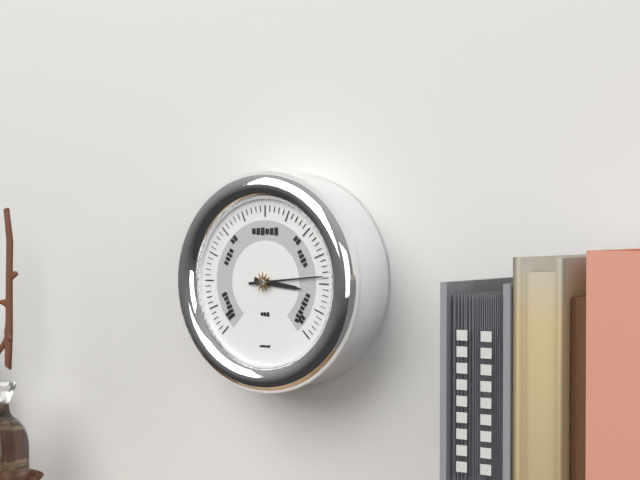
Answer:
{"hour": 3, "minute": 14}
